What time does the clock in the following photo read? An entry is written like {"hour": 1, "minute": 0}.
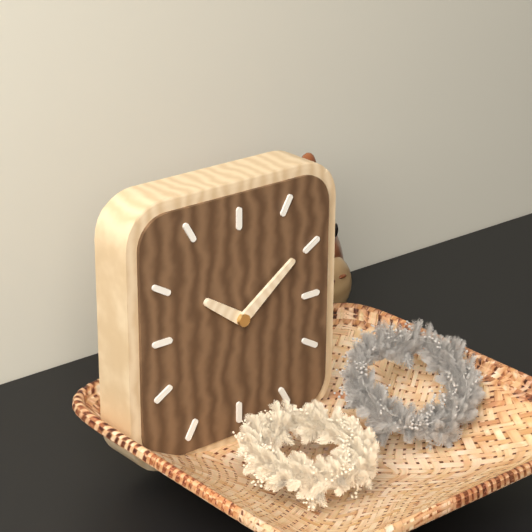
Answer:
{"hour": 10, "minute": 9}
